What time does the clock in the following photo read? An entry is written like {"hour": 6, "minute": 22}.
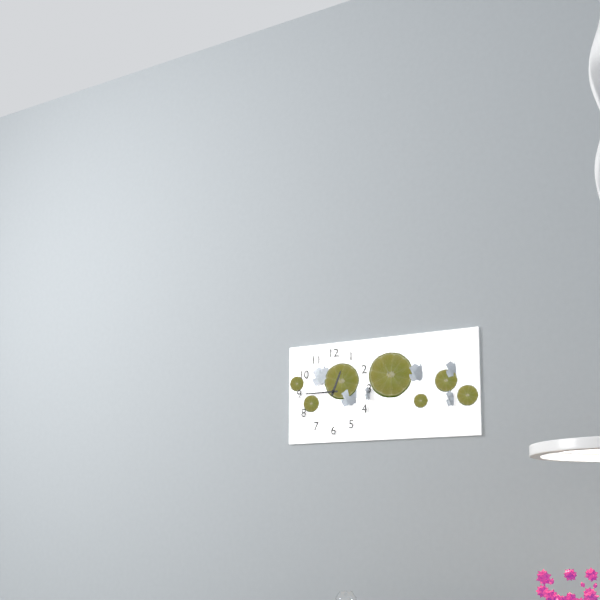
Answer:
{"hour": 12, "minute": 45}
